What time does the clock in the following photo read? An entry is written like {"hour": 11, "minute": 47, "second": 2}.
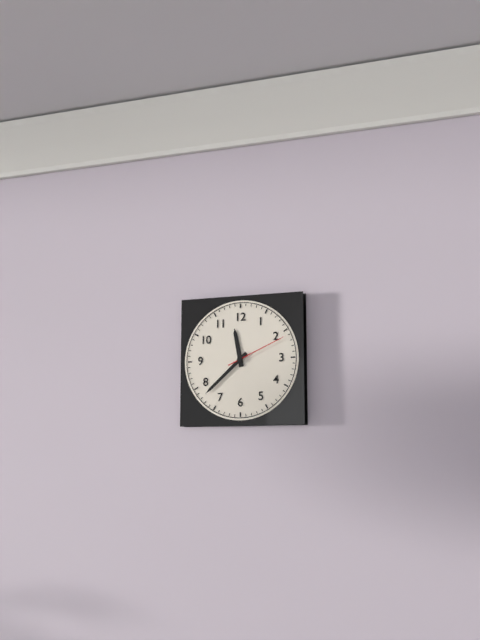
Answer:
{"hour": 11, "minute": 38, "second": 11}
